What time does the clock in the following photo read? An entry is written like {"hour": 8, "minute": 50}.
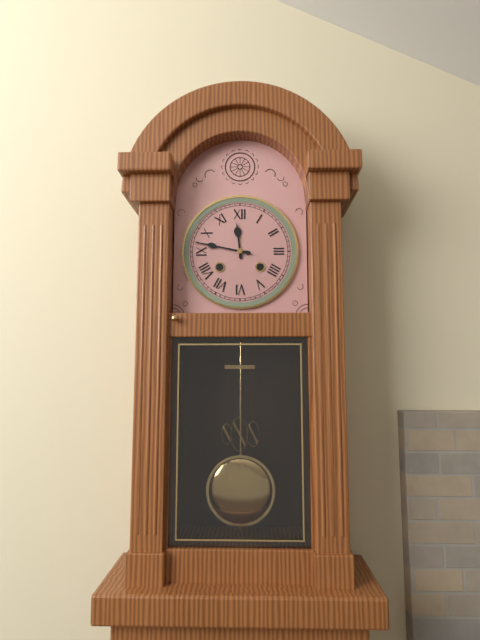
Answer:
{"hour": 11, "minute": 47}
